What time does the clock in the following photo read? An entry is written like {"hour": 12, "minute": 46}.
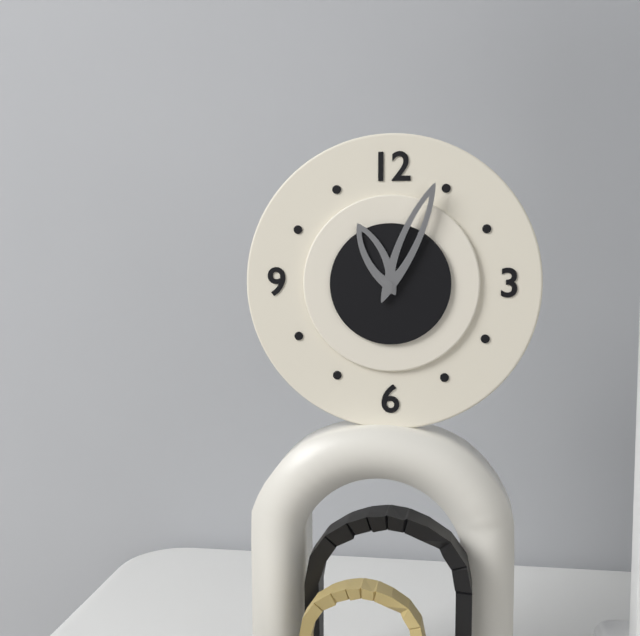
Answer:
{"hour": 11, "minute": 4}
